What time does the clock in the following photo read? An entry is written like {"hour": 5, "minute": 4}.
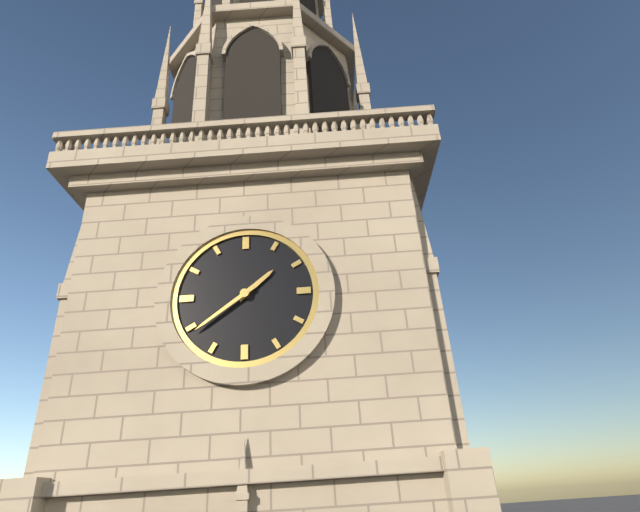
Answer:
{"hour": 1, "minute": 39}
